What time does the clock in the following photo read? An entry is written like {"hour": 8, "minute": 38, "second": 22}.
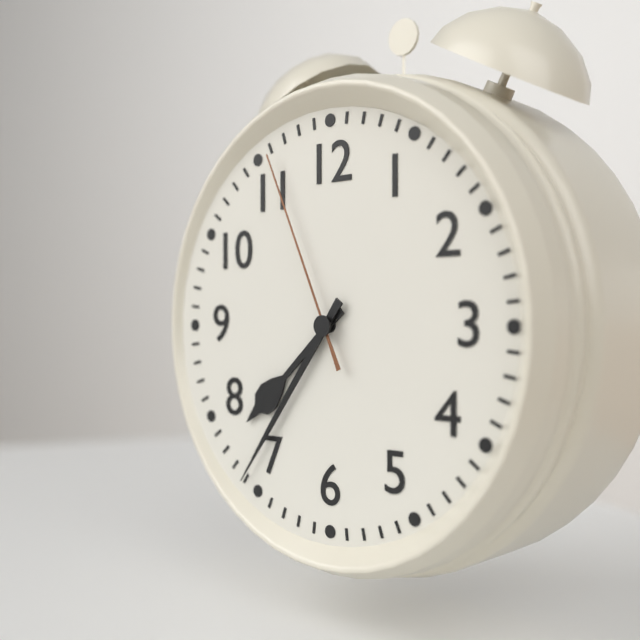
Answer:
{"hour": 7, "minute": 36, "second": 56}
